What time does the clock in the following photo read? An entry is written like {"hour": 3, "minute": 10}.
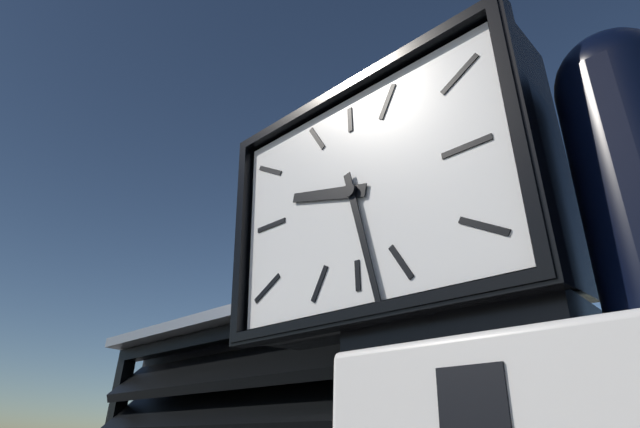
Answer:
{"hour": 9, "minute": 28}
